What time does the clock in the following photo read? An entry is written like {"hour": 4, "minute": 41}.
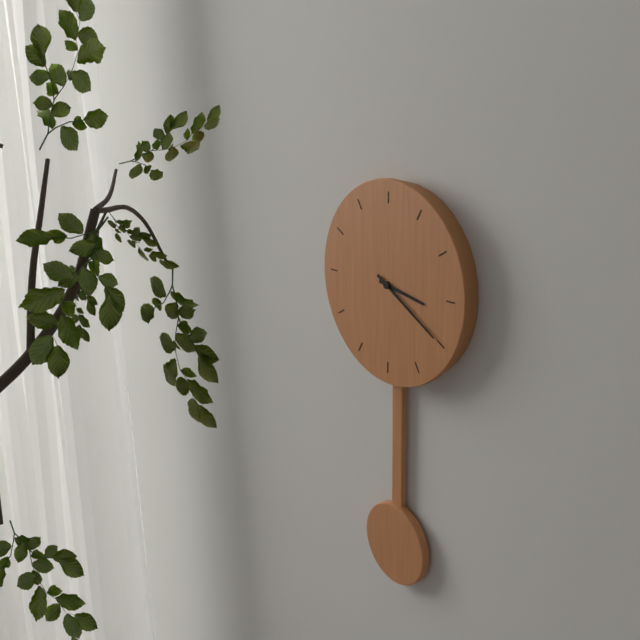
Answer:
{"hour": 3, "minute": 20}
